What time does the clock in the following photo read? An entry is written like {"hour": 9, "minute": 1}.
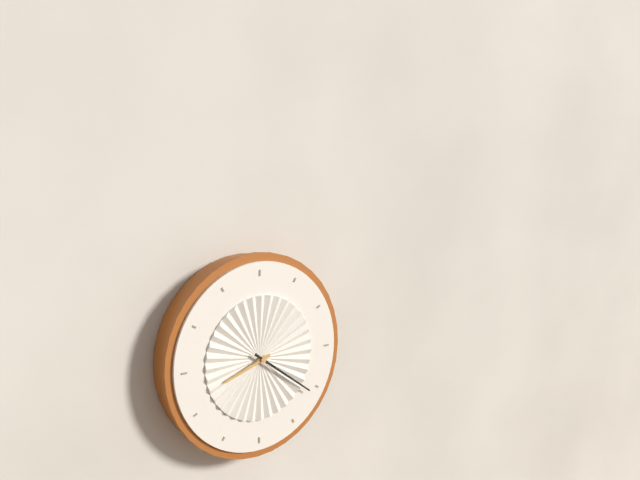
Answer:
{"hour": 8, "minute": 21}
